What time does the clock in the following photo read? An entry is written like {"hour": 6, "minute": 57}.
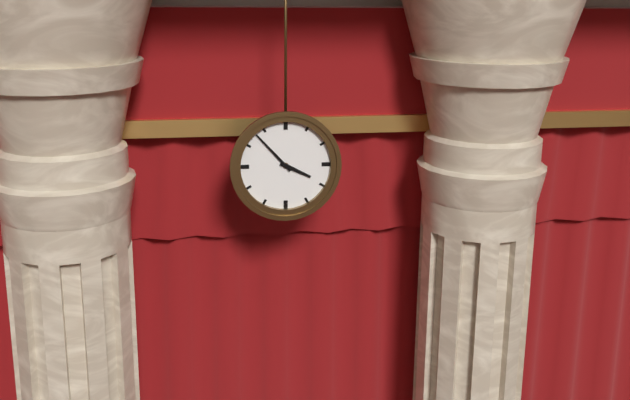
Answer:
{"hour": 3, "minute": 53}
